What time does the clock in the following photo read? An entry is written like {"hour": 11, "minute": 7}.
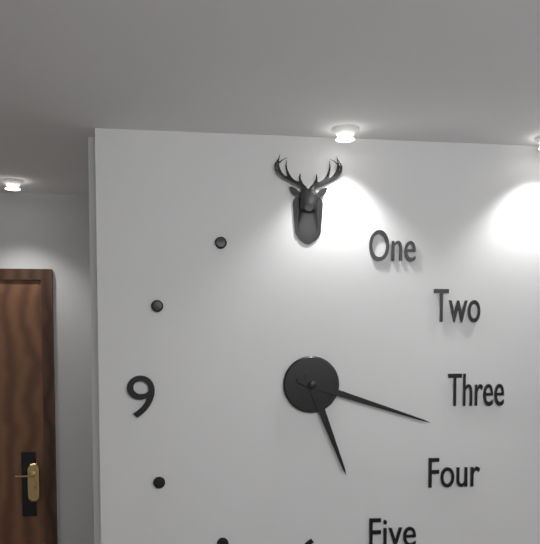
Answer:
{"hour": 5, "minute": 18}
